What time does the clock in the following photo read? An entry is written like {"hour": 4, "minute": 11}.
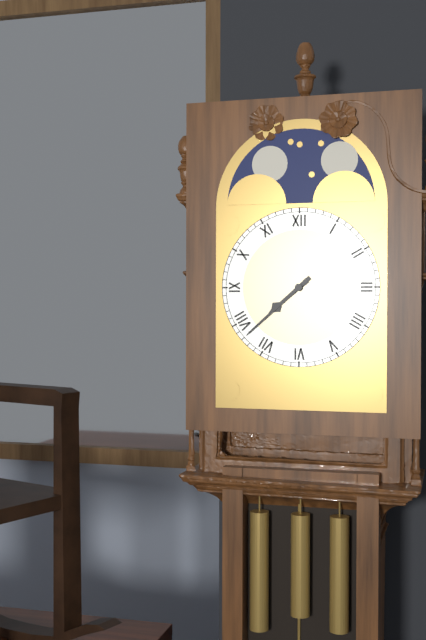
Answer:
{"hour": 7, "minute": 38}
